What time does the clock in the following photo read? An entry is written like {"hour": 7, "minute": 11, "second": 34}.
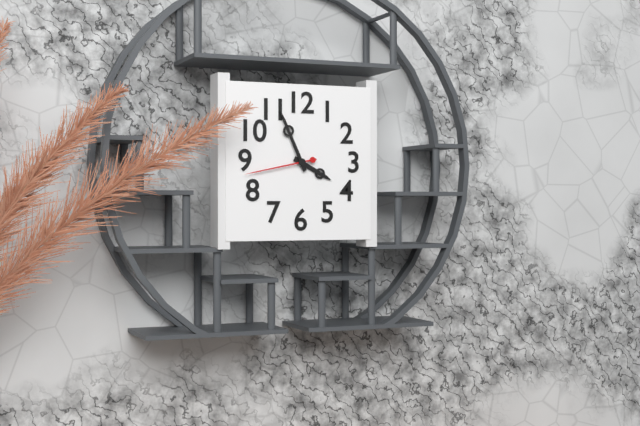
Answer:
{"hour": 3, "minute": 56, "second": 43}
